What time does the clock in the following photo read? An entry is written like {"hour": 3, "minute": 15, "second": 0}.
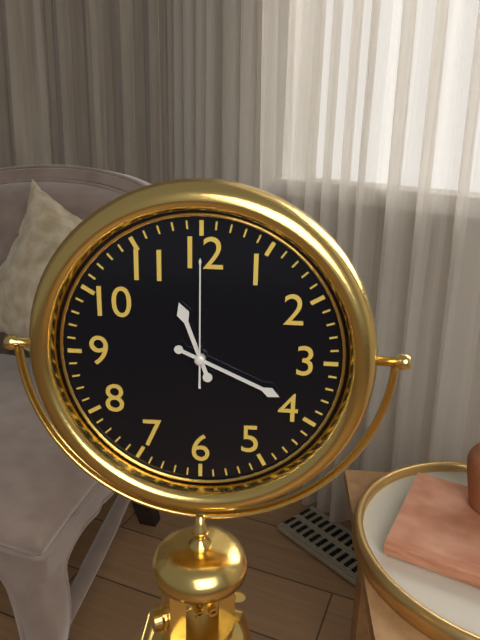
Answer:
{"hour": 11, "minute": 19, "second": 0}
